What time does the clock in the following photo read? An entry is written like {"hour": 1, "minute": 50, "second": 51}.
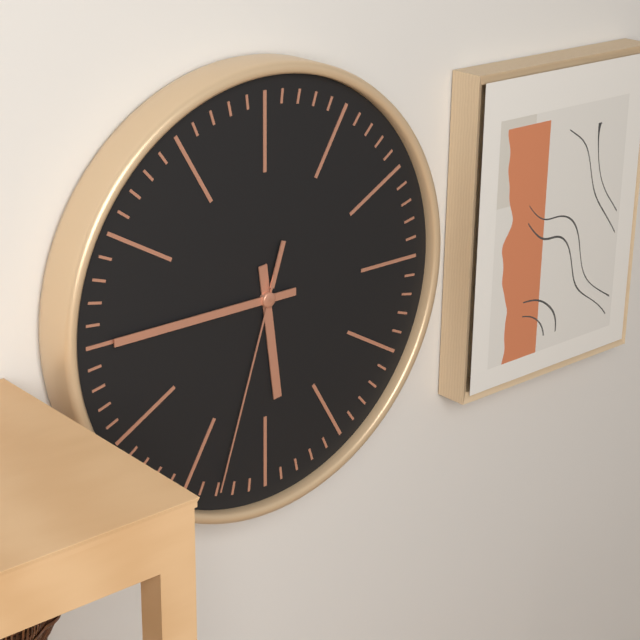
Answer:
{"hour": 5, "minute": 45, "second": 33}
